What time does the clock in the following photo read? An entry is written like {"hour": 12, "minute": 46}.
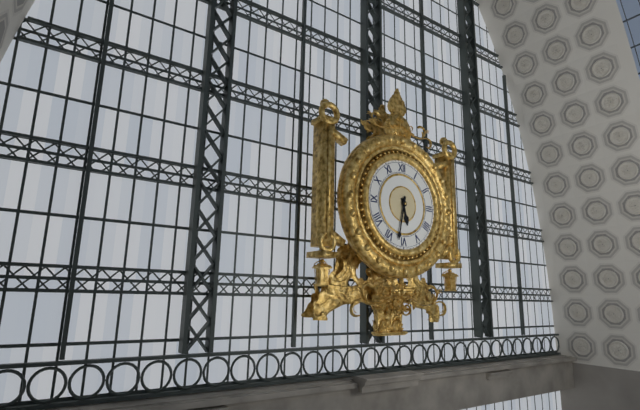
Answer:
{"hour": 5, "minute": 32}
